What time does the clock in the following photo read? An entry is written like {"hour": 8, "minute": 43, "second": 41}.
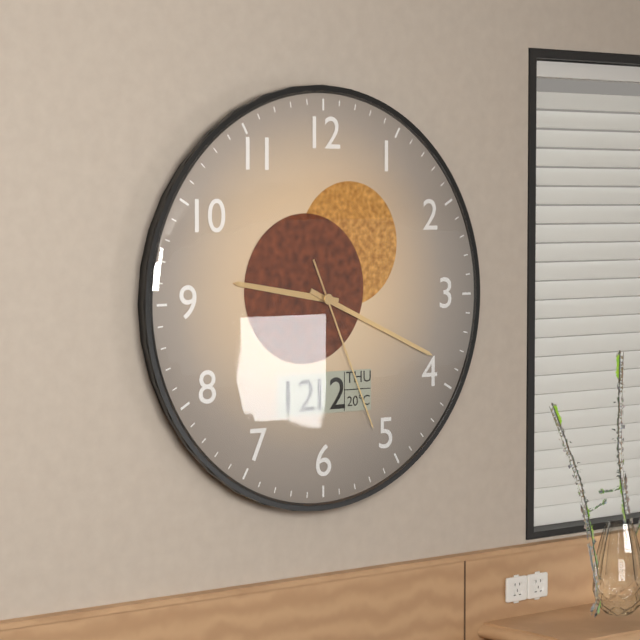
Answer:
{"hour": 9, "minute": 19, "second": 26}
